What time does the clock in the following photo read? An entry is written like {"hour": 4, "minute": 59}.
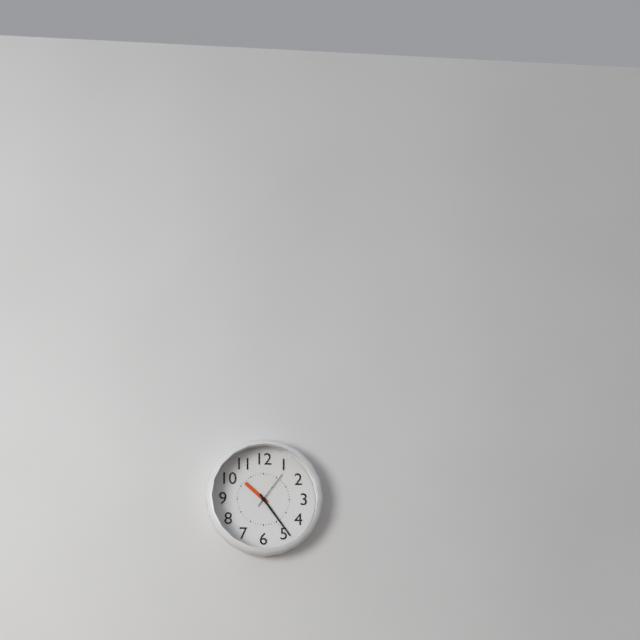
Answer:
{"hour": 10, "minute": 24}
